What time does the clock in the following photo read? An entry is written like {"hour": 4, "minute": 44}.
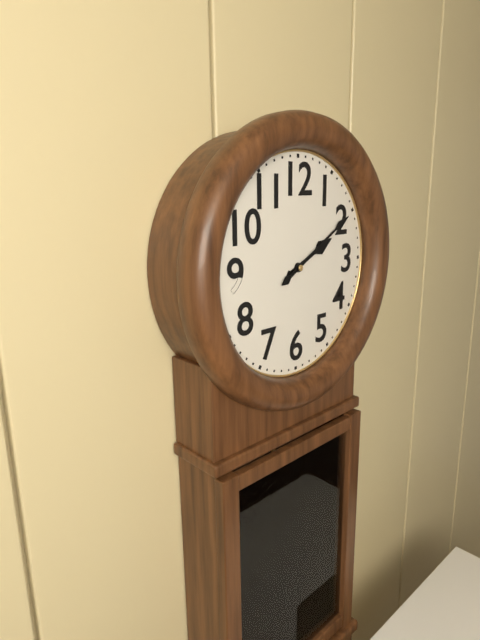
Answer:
{"hour": 2, "minute": 10}
